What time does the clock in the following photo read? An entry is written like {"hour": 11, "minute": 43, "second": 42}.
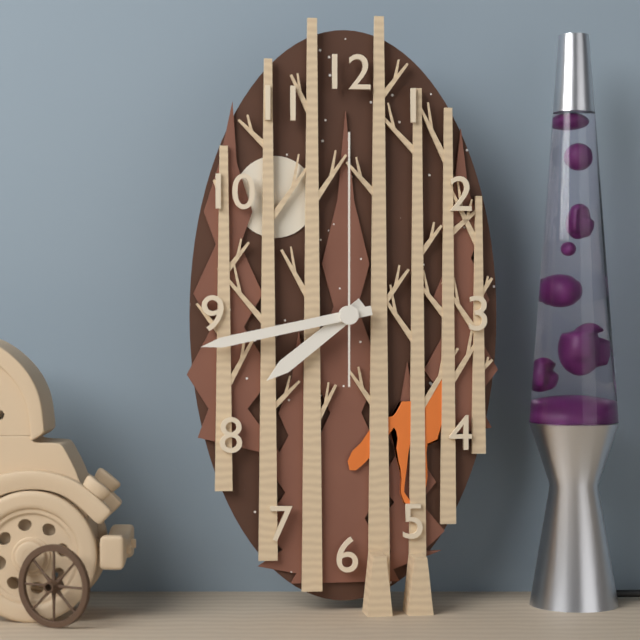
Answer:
{"hour": 7, "minute": 43, "second": 0}
